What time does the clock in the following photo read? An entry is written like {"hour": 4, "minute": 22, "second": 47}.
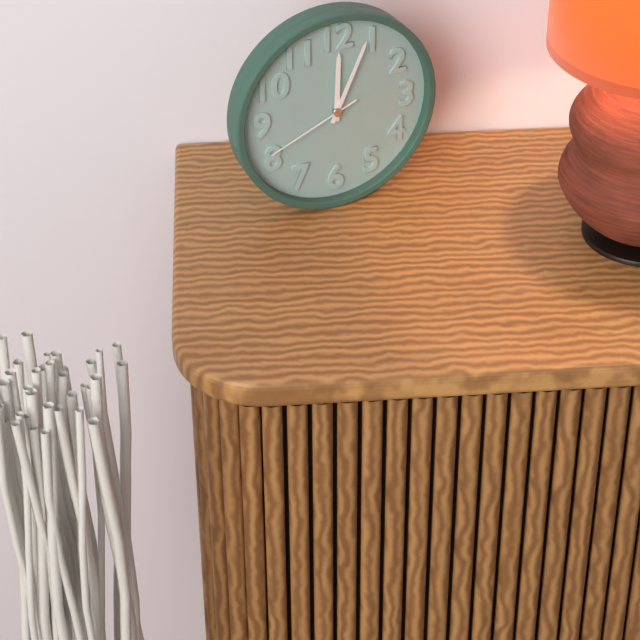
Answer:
{"hour": 12, "minute": 4, "second": 41}
